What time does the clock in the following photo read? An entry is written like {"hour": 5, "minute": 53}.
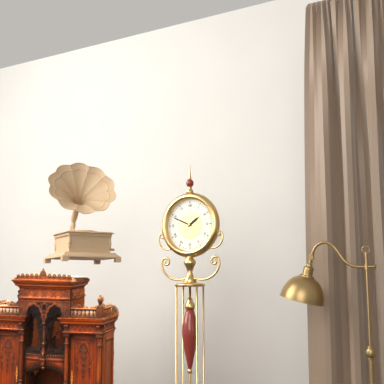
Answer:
{"hour": 1, "minute": 49}
